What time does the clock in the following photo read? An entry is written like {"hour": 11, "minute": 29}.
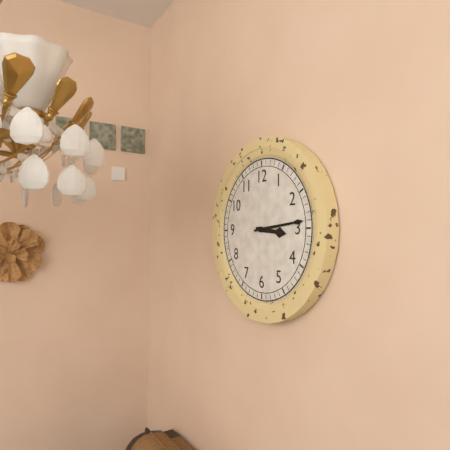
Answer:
{"hour": 3, "minute": 14}
